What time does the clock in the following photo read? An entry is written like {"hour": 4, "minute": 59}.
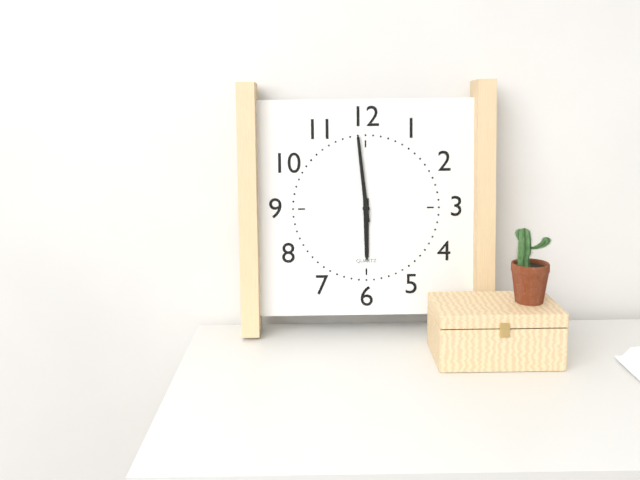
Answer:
{"hour": 5, "minute": 59}
